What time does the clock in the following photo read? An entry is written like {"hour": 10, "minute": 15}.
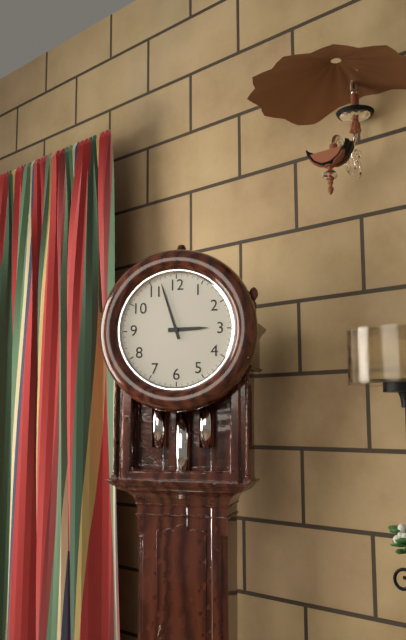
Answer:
{"hour": 2, "minute": 57}
